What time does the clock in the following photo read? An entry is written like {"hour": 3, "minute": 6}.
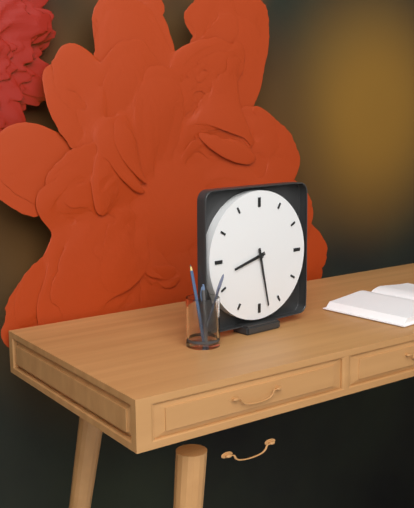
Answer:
{"hour": 8, "minute": 28}
